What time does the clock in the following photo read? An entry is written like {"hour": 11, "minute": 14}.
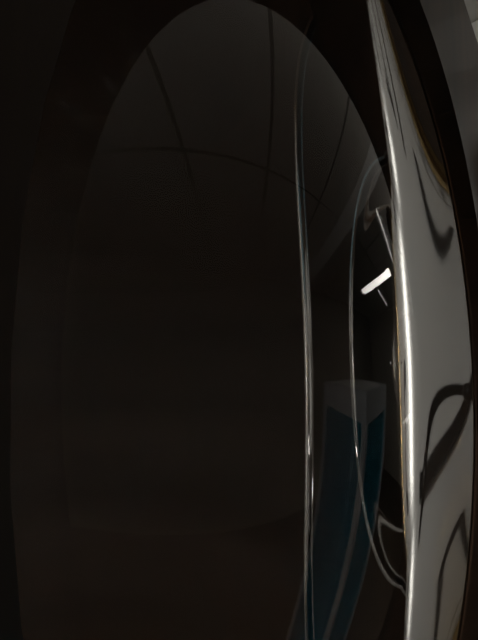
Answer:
{"hour": 7, "minute": 47}
